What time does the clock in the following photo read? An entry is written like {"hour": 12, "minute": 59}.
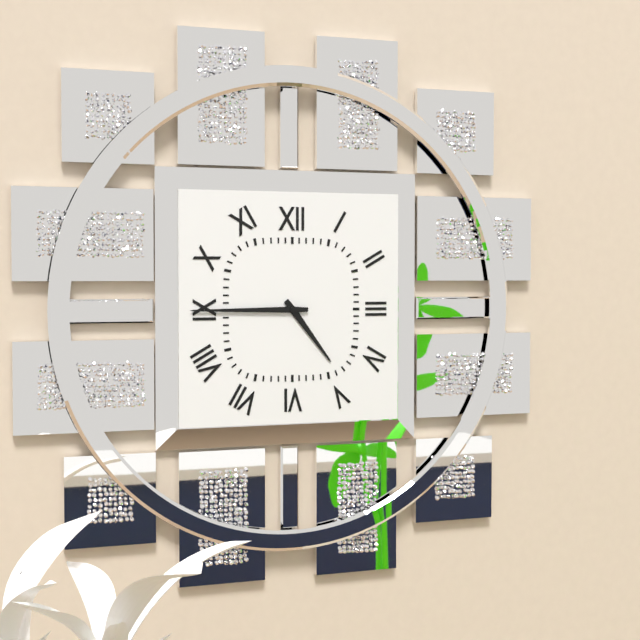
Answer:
{"hour": 4, "minute": 45}
